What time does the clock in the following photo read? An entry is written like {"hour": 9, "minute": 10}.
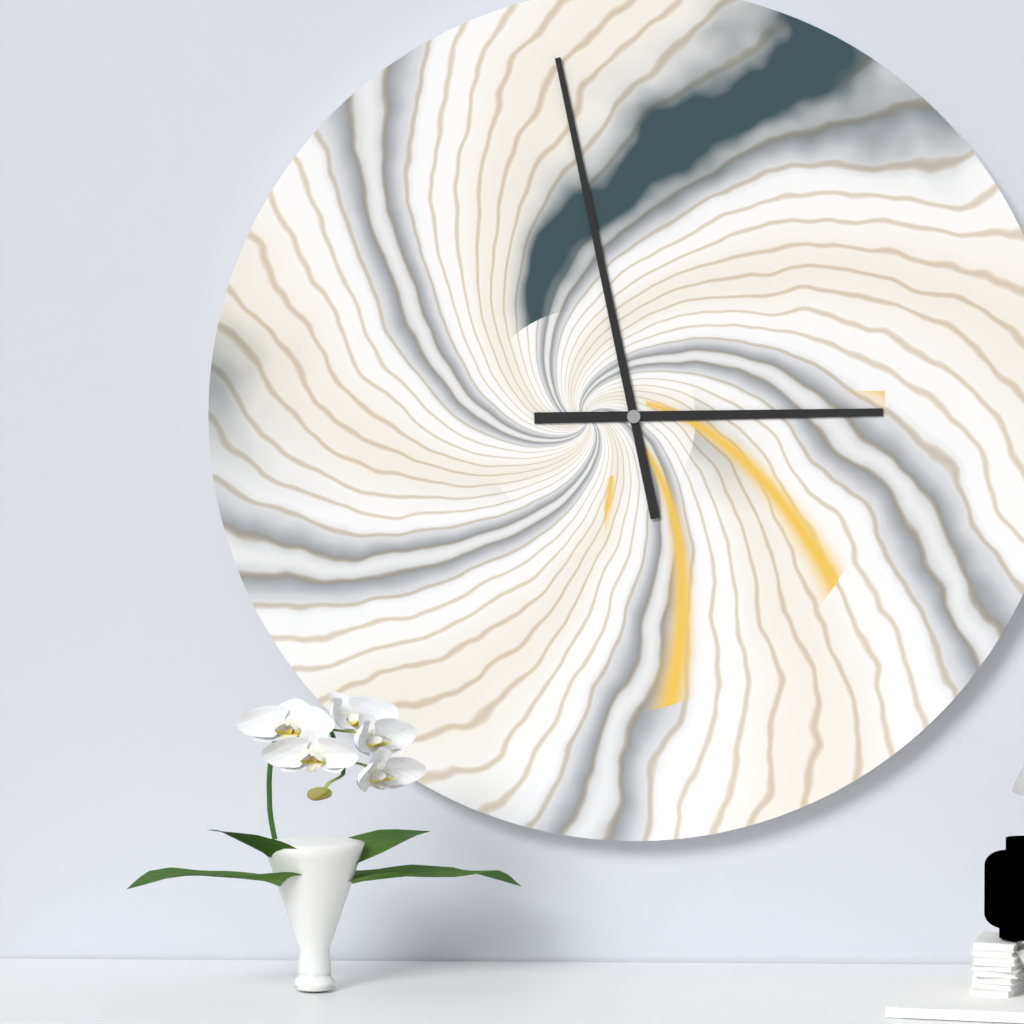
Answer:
{"hour": 2, "minute": 58}
